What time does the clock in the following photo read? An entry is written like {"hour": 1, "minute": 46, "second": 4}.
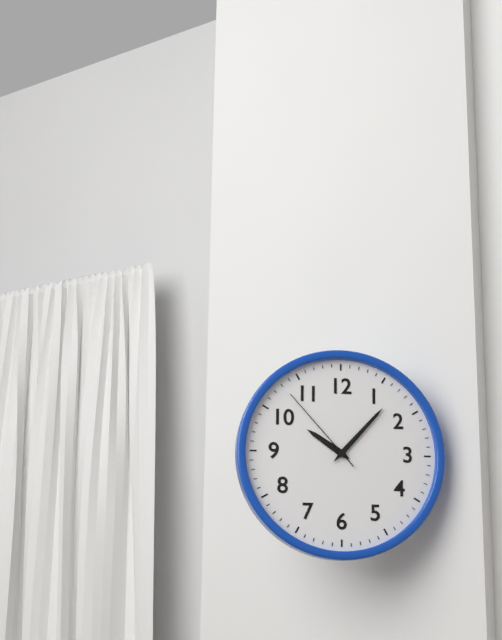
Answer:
{"hour": 10, "minute": 7, "second": 53}
